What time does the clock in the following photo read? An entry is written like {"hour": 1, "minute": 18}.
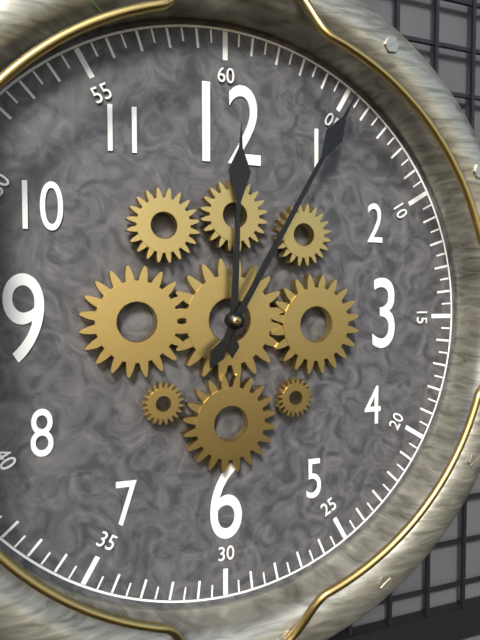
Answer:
{"hour": 12, "minute": 5}
